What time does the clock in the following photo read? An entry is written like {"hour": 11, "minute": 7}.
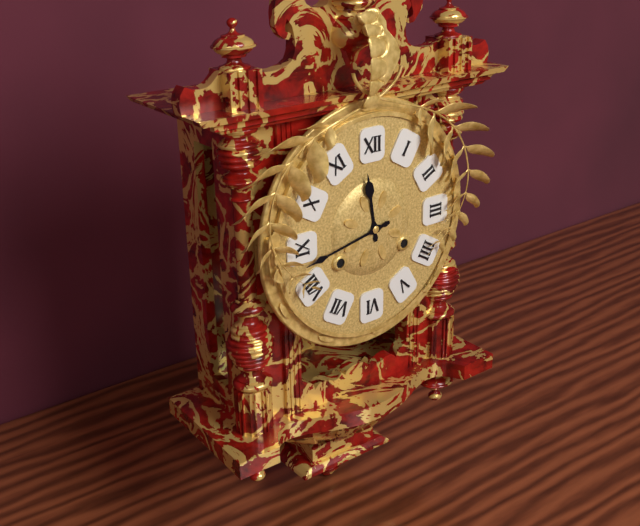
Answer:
{"hour": 11, "minute": 43}
